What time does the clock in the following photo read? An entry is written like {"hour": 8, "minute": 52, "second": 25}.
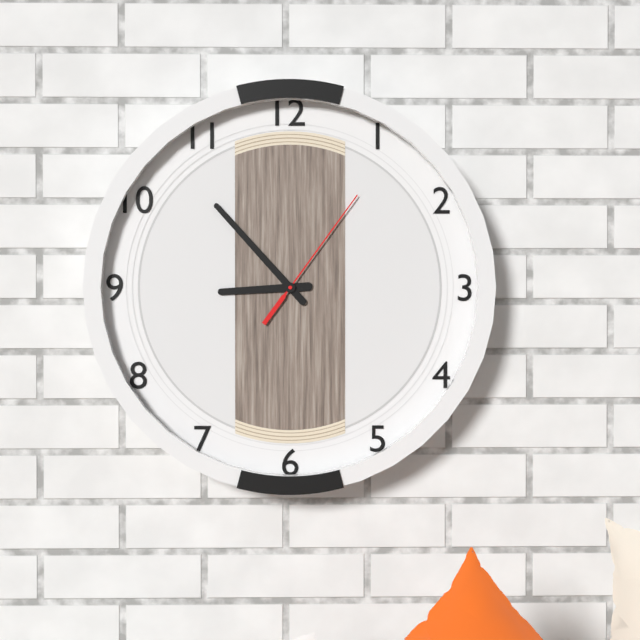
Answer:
{"hour": 8, "minute": 53, "second": 6}
